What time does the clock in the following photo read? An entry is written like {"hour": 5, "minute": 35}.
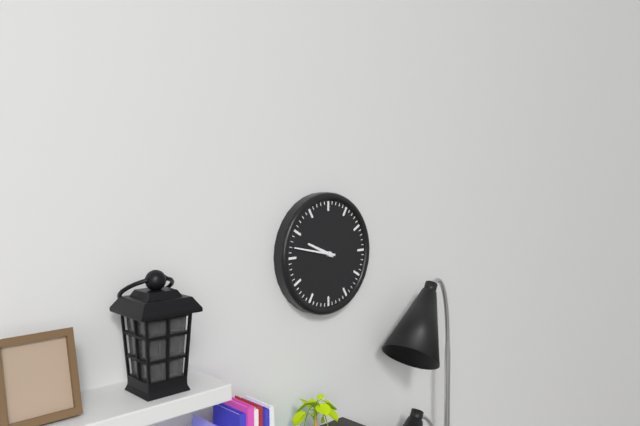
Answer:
{"hour": 9, "minute": 47}
